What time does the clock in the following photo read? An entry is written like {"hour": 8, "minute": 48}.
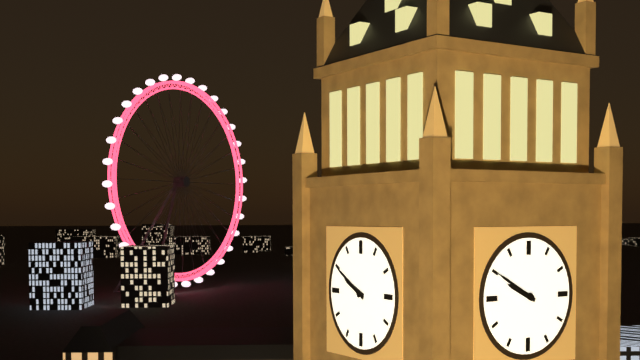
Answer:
{"hour": 9, "minute": 50}
